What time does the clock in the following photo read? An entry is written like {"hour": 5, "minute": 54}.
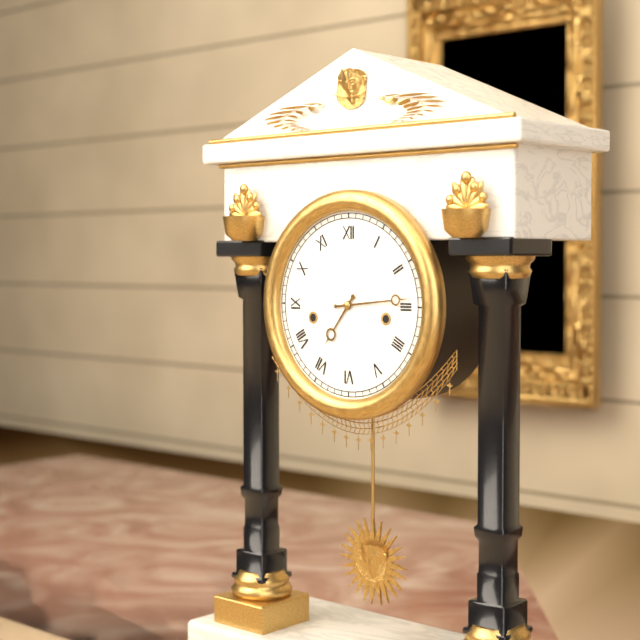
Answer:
{"hour": 7, "minute": 14}
